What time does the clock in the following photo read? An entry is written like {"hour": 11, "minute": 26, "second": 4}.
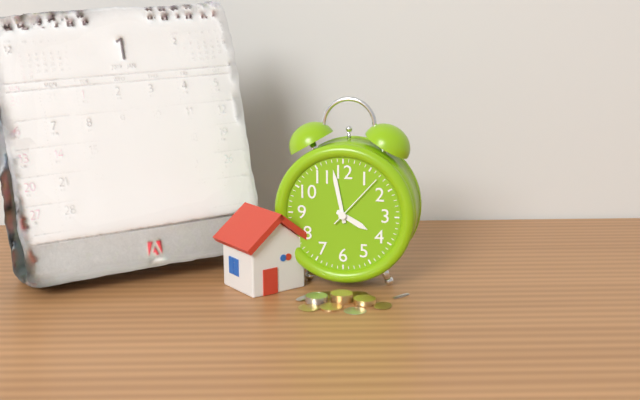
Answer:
{"hour": 3, "minute": 58, "second": 7}
